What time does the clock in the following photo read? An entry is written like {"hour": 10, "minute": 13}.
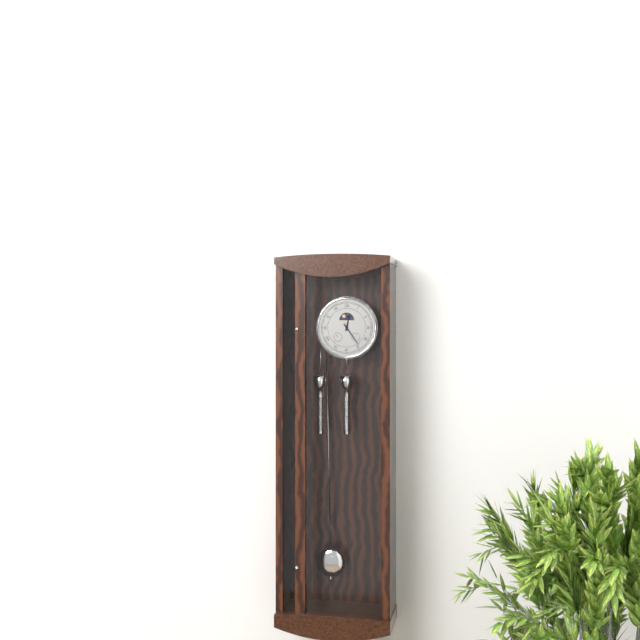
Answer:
{"hour": 12, "minute": 24}
